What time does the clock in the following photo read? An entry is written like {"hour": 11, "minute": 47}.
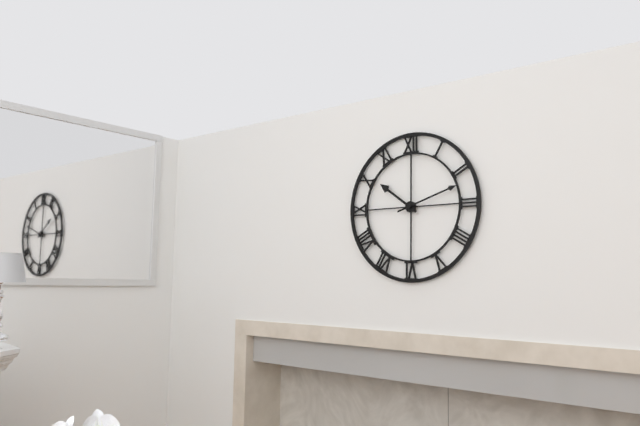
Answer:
{"hour": 10, "minute": 12}
